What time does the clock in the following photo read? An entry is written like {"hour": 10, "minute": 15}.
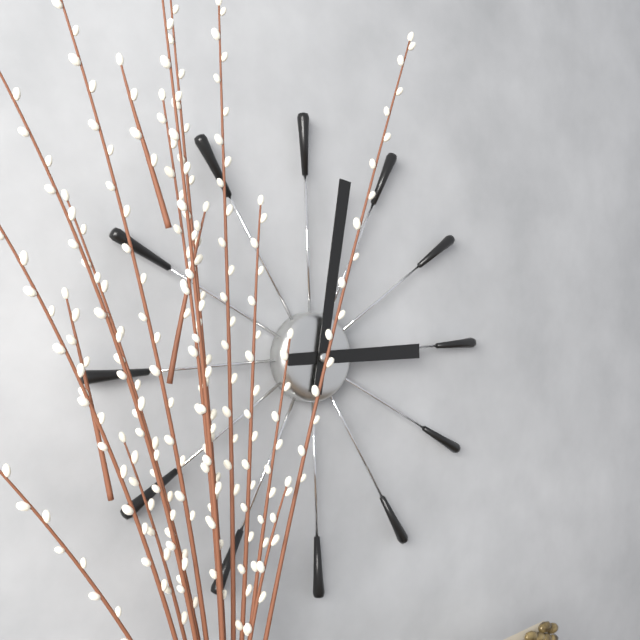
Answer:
{"hour": 3, "minute": 2}
